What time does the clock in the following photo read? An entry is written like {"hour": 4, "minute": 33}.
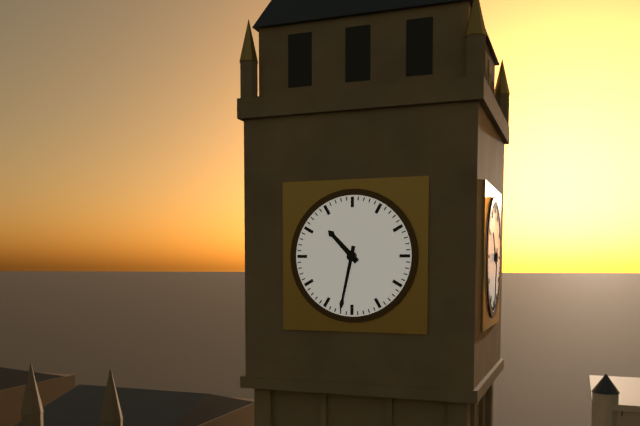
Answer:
{"hour": 10, "minute": 32}
